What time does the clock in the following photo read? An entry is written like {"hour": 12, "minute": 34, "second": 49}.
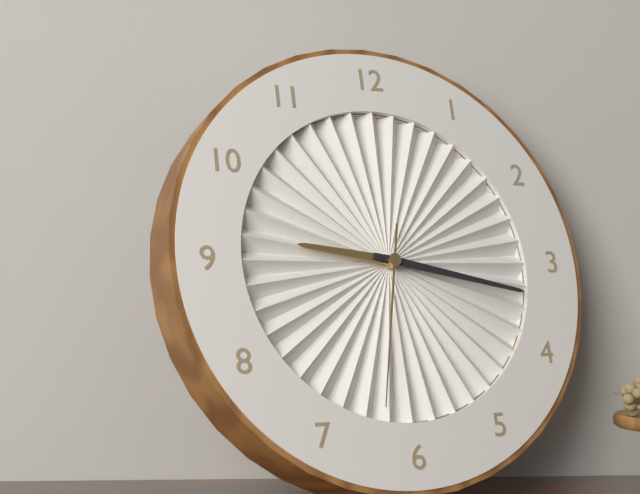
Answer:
{"hour": 9, "minute": 17, "second": 32}
